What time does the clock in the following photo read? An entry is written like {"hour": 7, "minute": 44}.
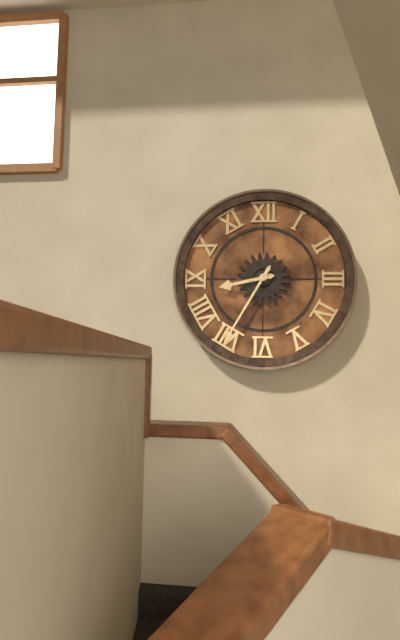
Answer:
{"hour": 8, "minute": 35}
